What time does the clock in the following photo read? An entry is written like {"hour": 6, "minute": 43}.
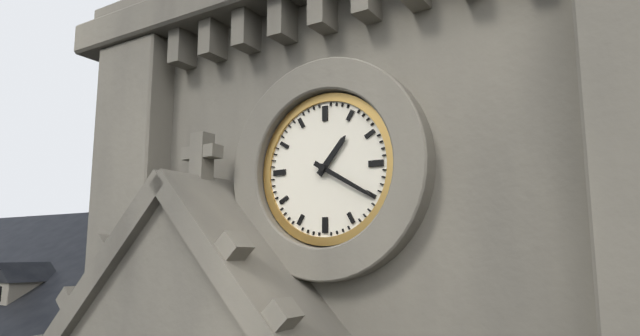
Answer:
{"hour": 1, "minute": 20}
